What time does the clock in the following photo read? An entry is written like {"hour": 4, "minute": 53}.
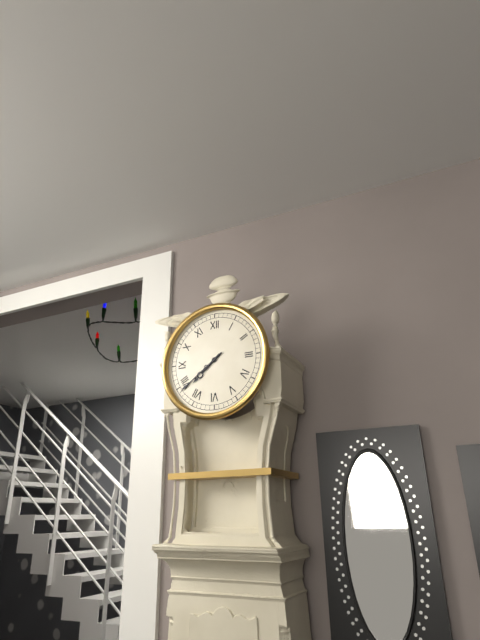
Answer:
{"hour": 7, "minute": 39}
